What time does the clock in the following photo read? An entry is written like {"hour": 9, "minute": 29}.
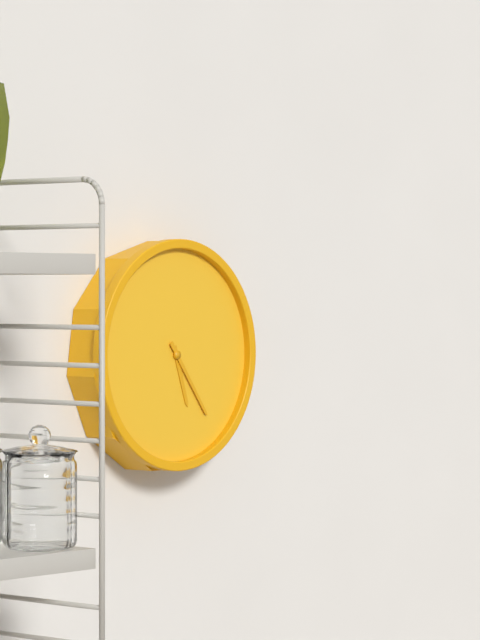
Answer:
{"hour": 5, "minute": 24}
